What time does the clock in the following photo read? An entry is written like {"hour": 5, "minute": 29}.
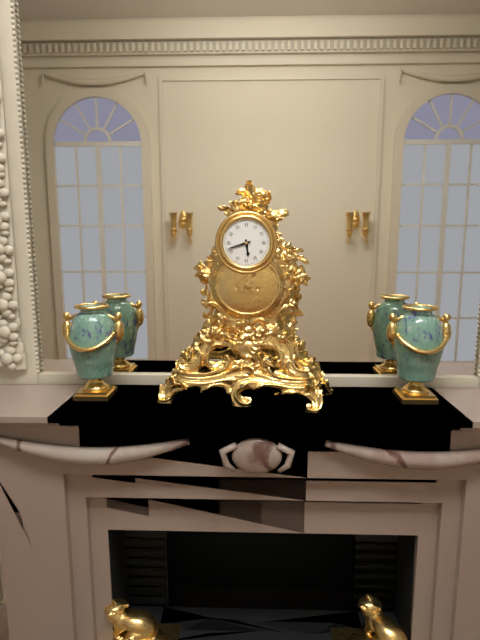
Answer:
{"hour": 5, "minute": 42}
